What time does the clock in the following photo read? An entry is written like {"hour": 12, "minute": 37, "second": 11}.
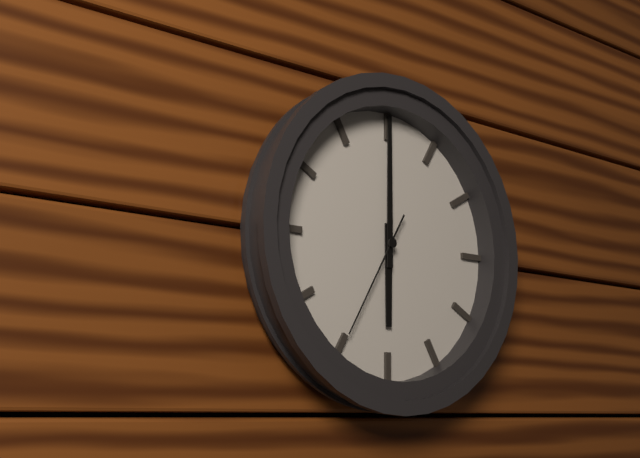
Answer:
{"hour": 6, "minute": 0, "second": 35}
